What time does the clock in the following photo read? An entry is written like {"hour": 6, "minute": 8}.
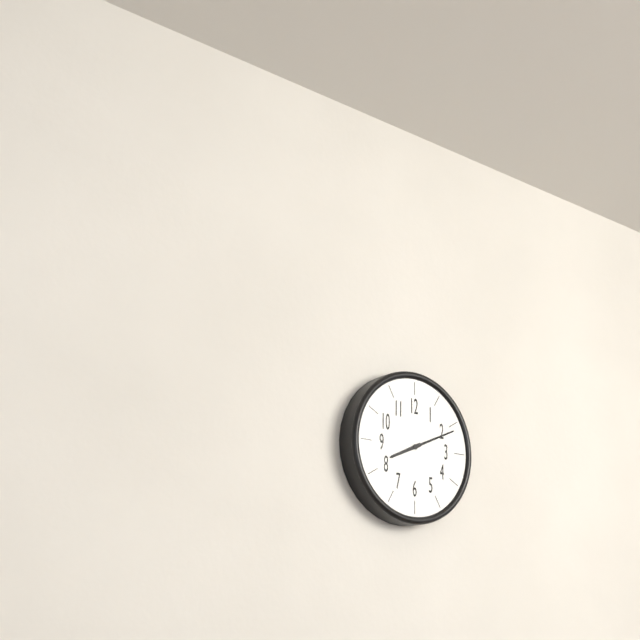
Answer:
{"hour": 8, "minute": 11}
